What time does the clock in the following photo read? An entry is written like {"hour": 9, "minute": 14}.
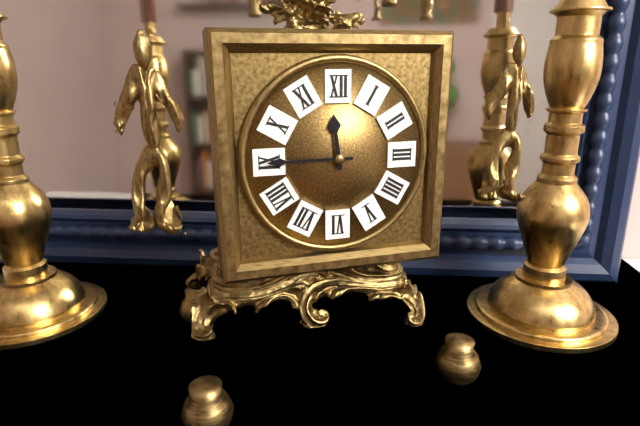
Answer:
{"hour": 11, "minute": 45}
